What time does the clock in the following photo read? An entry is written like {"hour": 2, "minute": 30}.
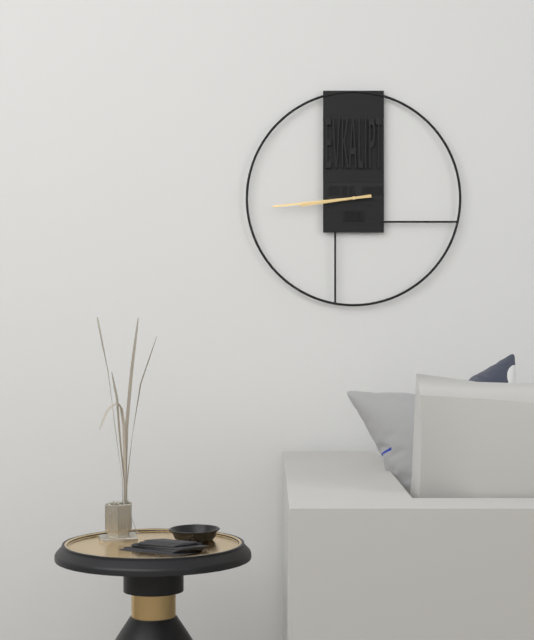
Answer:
{"hour": 8, "minute": 44}
